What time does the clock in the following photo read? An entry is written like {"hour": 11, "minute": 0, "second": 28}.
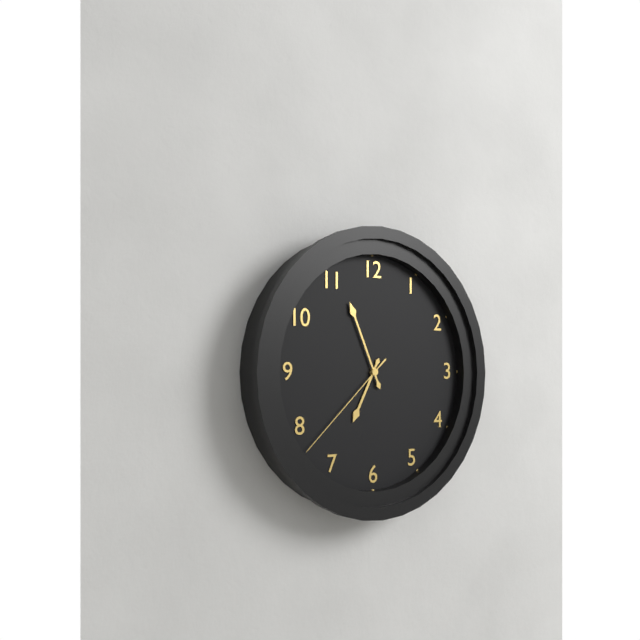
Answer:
{"hour": 6, "minute": 56, "second": 38}
